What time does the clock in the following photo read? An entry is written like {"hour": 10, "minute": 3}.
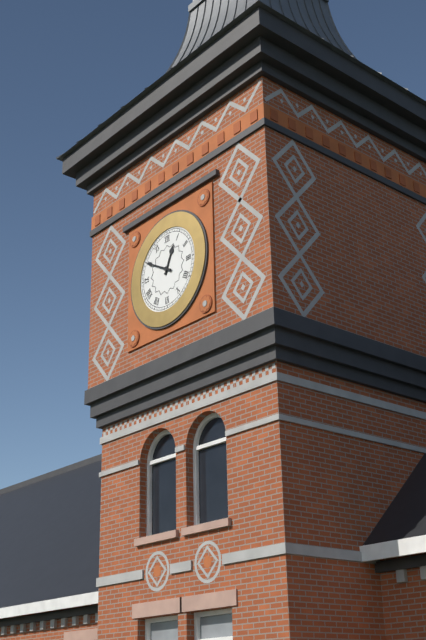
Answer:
{"hour": 12, "minute": 50}
